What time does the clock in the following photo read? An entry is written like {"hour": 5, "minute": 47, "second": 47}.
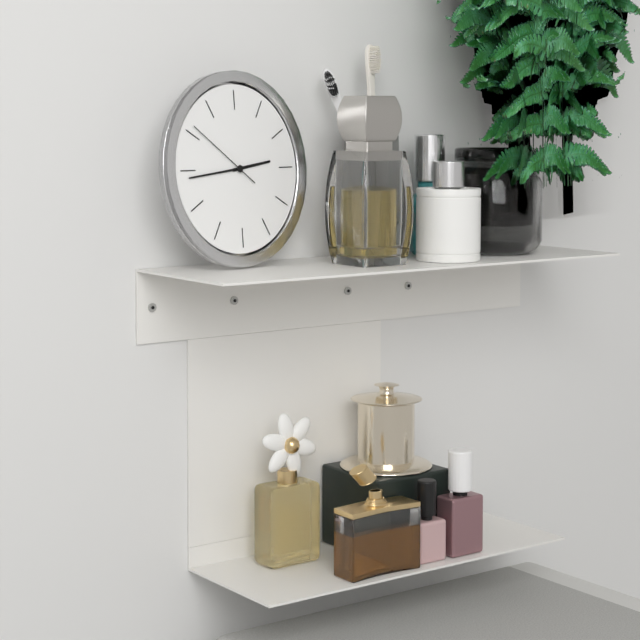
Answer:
{"hour": 2, "minute": 44, "second": 51}
